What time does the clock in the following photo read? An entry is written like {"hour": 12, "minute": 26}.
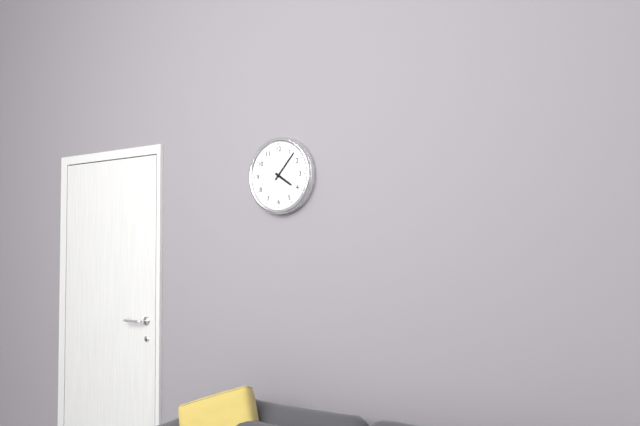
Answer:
{"hour": 4, "minute": 7}
